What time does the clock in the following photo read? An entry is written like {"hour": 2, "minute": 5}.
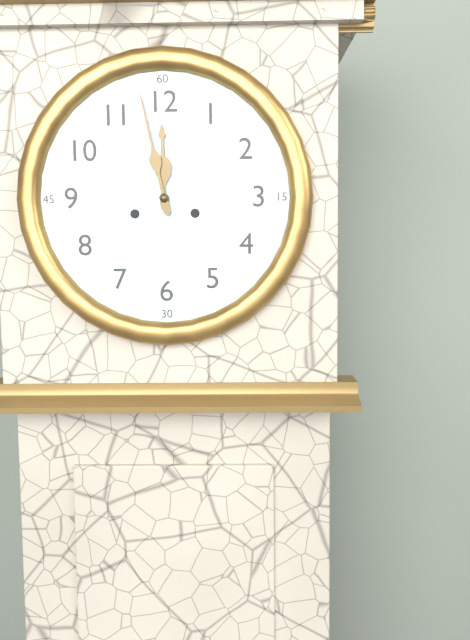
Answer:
{"hour": 11, "minute": 58}
